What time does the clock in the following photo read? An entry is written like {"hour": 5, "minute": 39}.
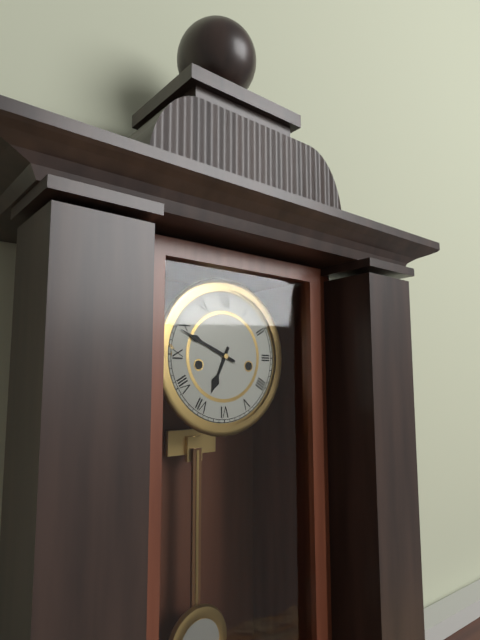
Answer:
{"hour": 6, "minute": 49}
